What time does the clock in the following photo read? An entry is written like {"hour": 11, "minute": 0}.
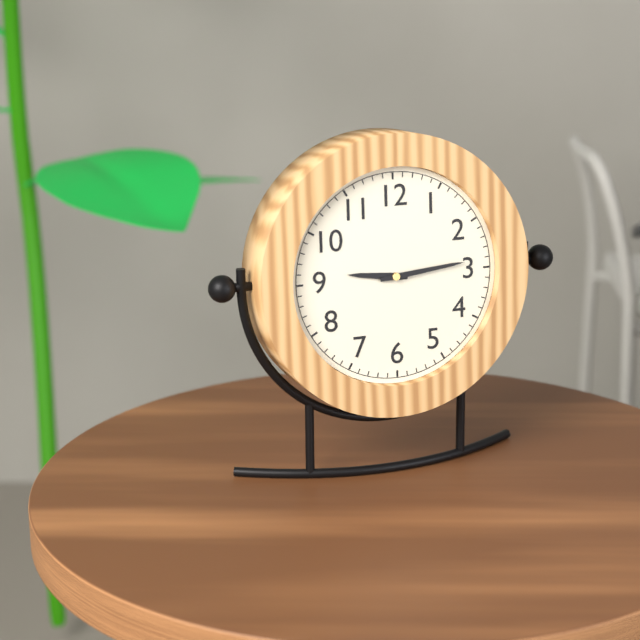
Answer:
{"hour": 9, "minute": 14}
